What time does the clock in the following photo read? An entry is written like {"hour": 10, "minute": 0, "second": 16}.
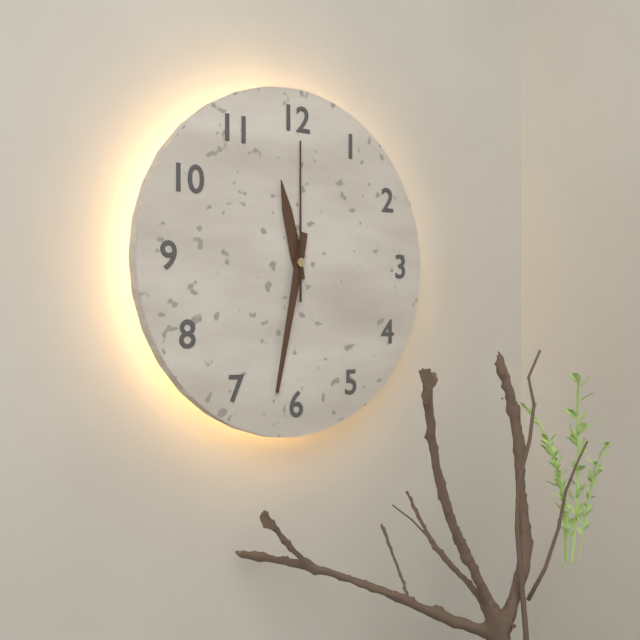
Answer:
{"hour": 11, "minute": 32, "second": 0}
